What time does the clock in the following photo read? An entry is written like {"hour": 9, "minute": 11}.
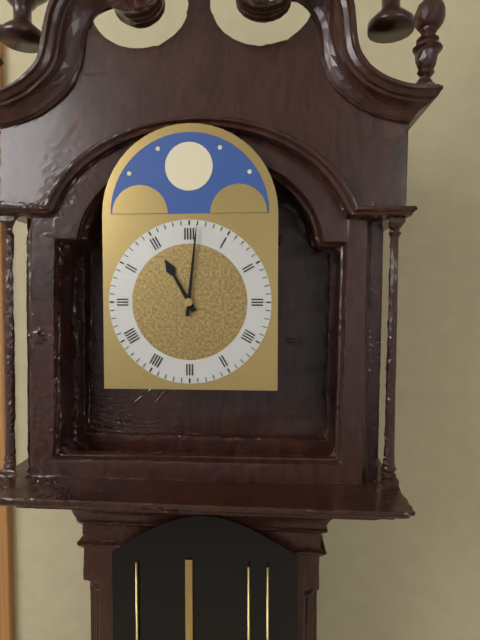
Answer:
{"hour": 11, "minute": 1}
